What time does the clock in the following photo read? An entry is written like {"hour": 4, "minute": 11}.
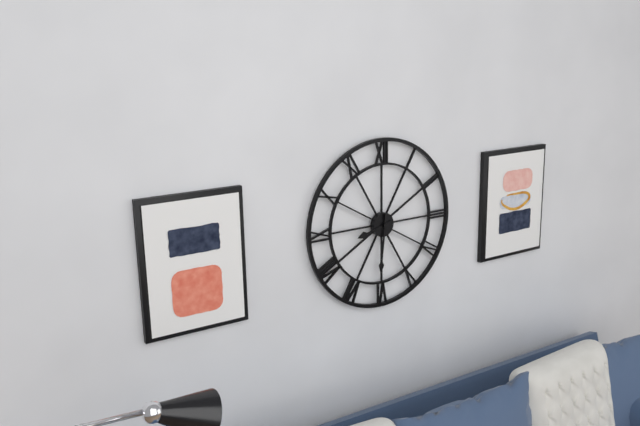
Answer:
{"hour": 8, "minute": 31}
